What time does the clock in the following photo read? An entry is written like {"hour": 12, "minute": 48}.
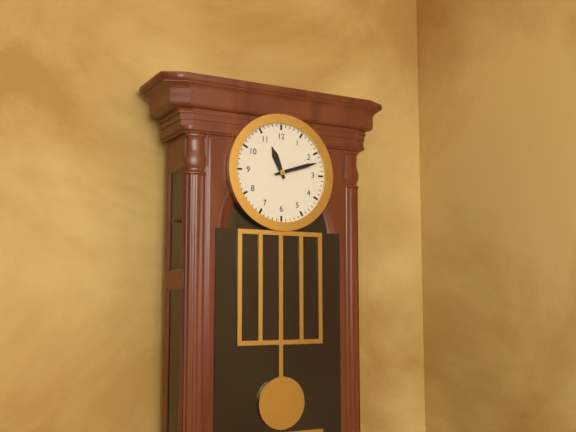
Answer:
{"hour": 11, "minute": 12}
